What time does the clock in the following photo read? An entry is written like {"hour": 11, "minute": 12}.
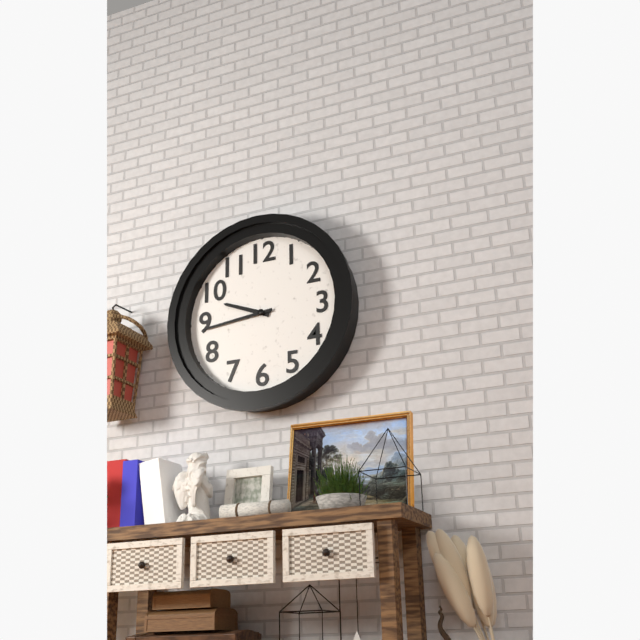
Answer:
{"hour": 9, "minute": 44}
